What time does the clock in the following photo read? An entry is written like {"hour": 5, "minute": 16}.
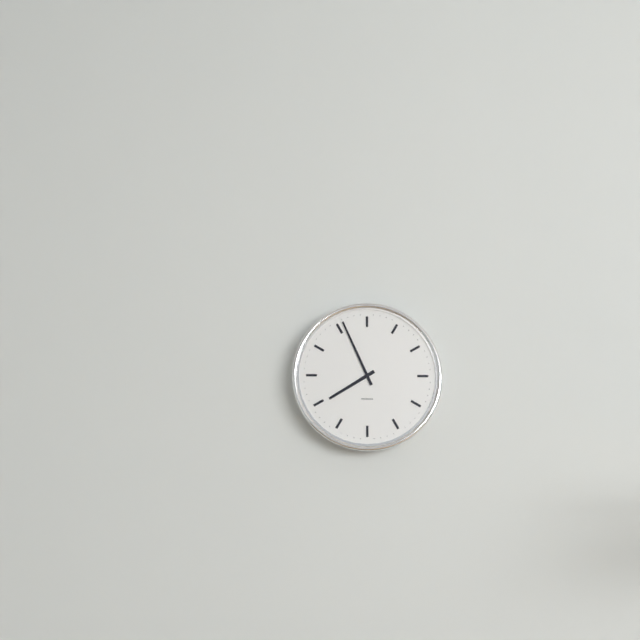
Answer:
{"hour": 7, "minute": 56}
